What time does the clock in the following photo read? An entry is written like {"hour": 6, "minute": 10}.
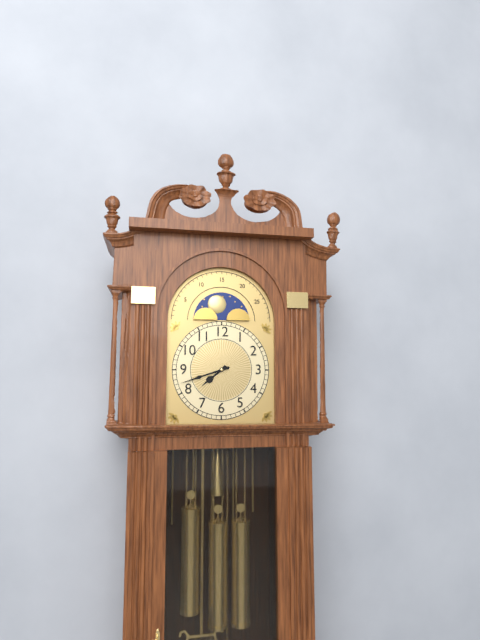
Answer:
{"hour": 7, "minute": 42}
